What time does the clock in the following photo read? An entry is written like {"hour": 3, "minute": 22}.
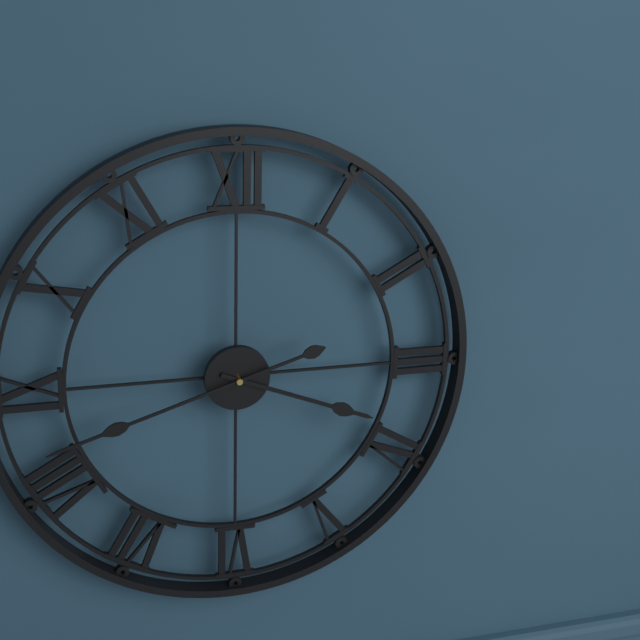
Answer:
{"hour": 3, "minute": 42}
